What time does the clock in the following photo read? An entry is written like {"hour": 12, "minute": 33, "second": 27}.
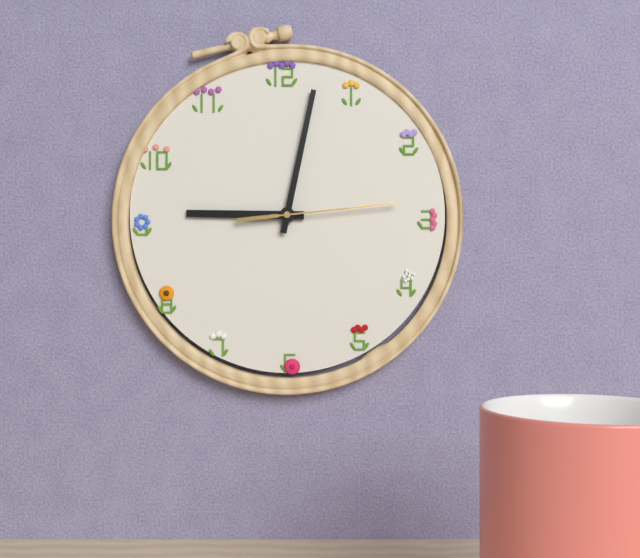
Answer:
{"hour": 9, "minute": 2, "second": 14}
